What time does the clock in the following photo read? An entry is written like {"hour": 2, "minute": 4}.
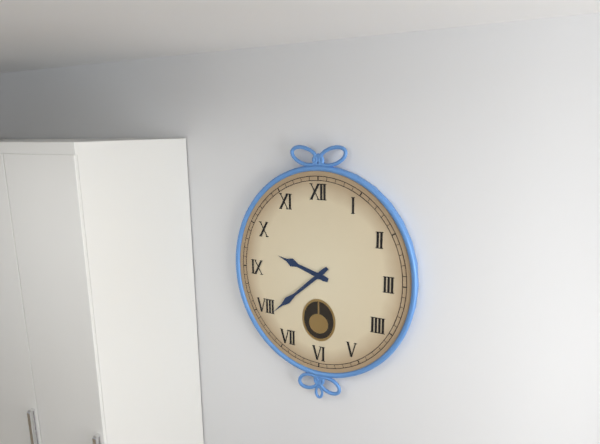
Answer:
{"hour": 9, "minute": 38}
